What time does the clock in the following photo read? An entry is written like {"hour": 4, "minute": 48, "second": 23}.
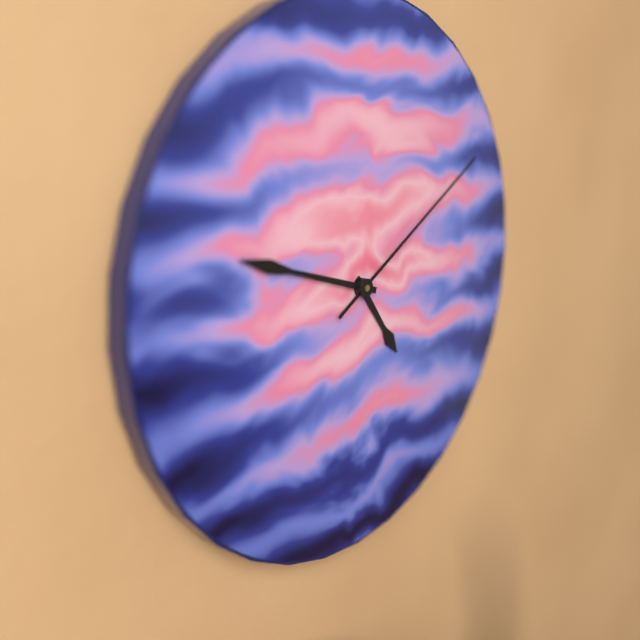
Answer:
{"hour": 4, "minute": 48, "second": 10}
